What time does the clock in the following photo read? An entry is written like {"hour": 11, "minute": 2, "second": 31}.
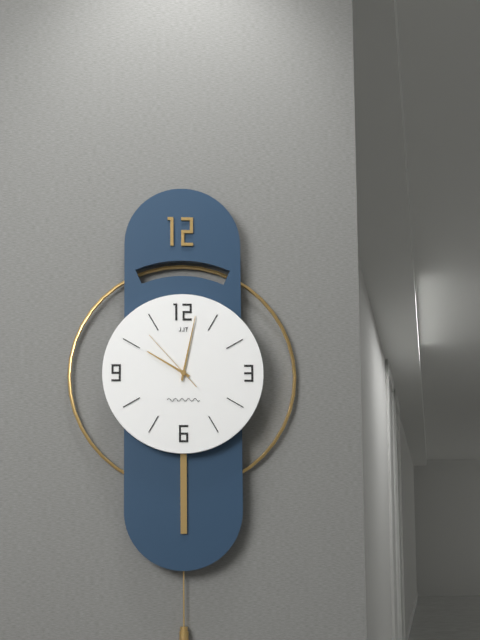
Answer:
{"hour": 10, "minute": 2, "second": 53}
